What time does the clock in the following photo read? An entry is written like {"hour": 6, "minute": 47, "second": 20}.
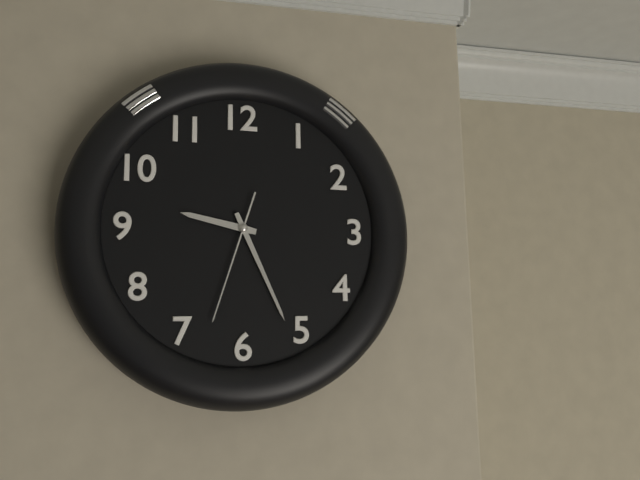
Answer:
{"hour": 9, "minute": 26, "second": 33}
